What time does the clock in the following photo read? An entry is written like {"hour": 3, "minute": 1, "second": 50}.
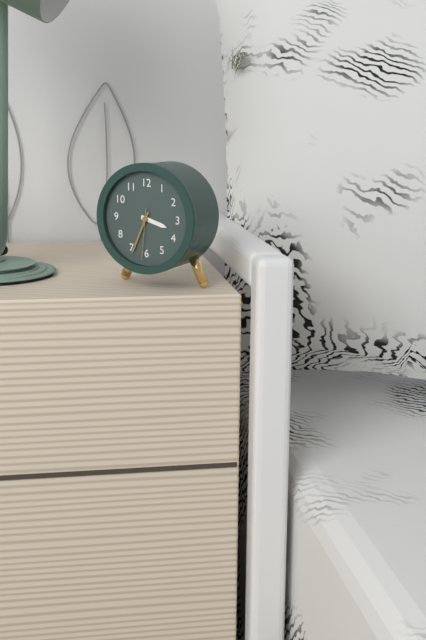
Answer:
{"hour": 3, "minute": 34, "second": 31}
